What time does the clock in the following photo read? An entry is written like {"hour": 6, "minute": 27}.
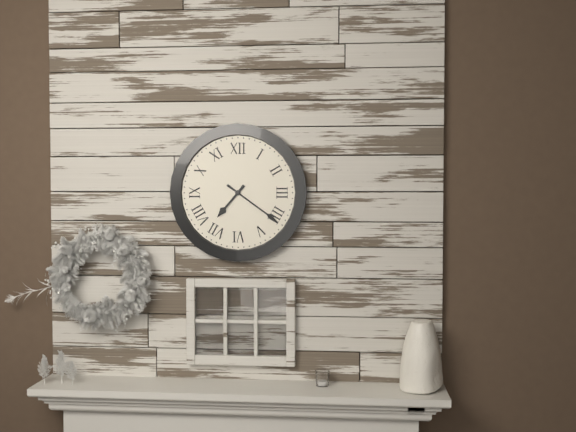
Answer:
{"hour": 7, "minute": 21}
